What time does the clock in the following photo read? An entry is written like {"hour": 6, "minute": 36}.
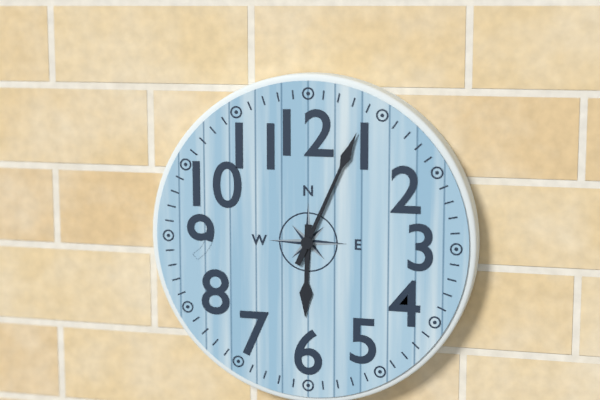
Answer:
{"hour": 6, "minute": 4}
